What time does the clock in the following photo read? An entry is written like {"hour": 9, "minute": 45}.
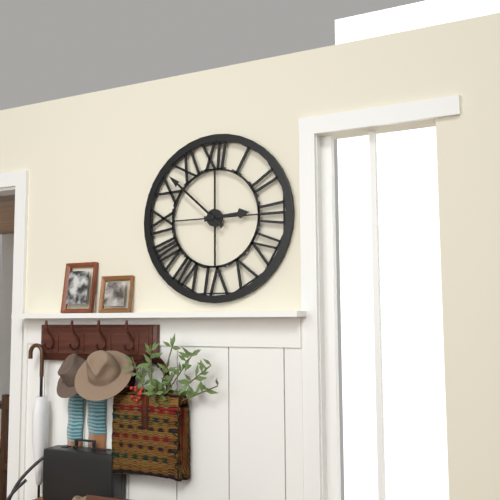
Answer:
{"hour": 2, "minute": 52}
